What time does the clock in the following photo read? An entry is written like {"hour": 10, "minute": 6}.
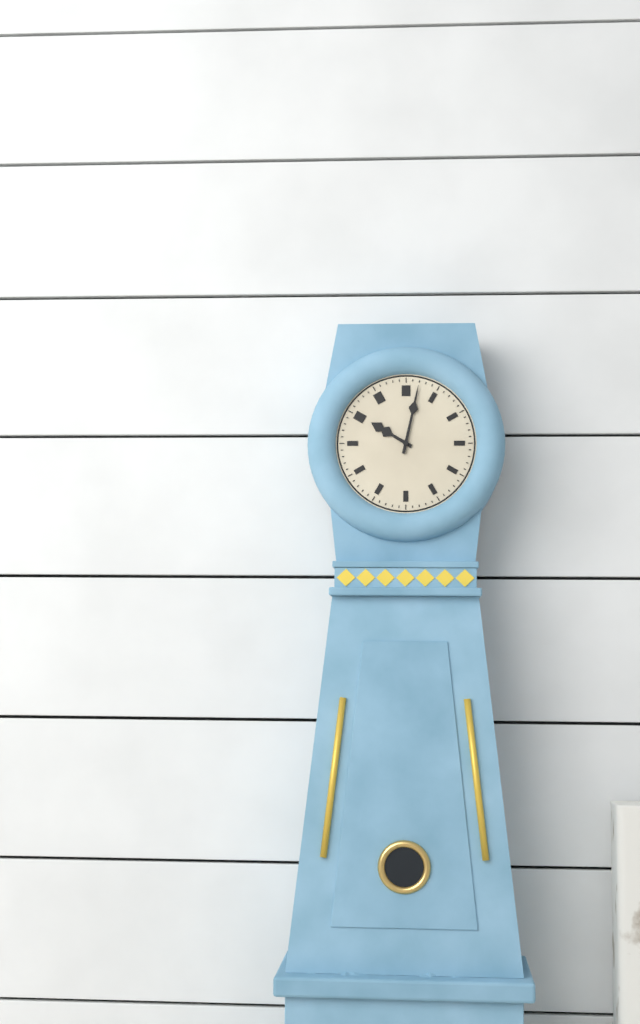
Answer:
{"hour": 10, "minute": 2}
